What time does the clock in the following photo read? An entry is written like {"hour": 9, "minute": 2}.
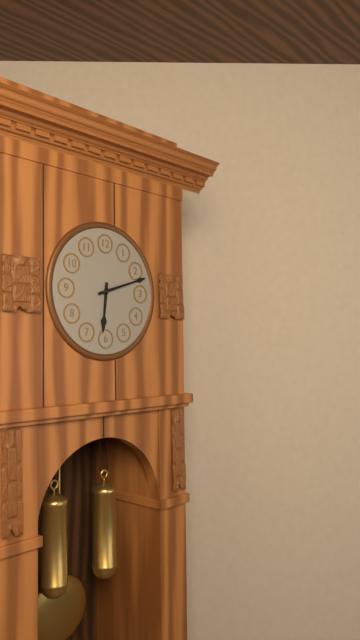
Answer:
{"hour": 6, "minute": 12}
